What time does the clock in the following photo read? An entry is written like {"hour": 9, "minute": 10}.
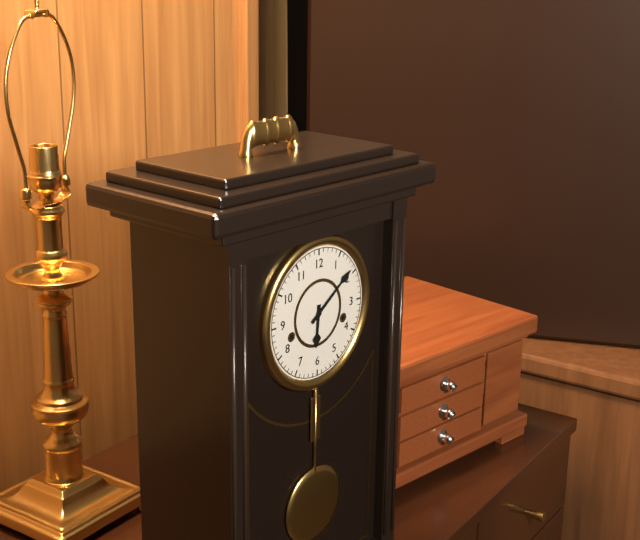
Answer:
{"hour": 6, "minute": 9}
